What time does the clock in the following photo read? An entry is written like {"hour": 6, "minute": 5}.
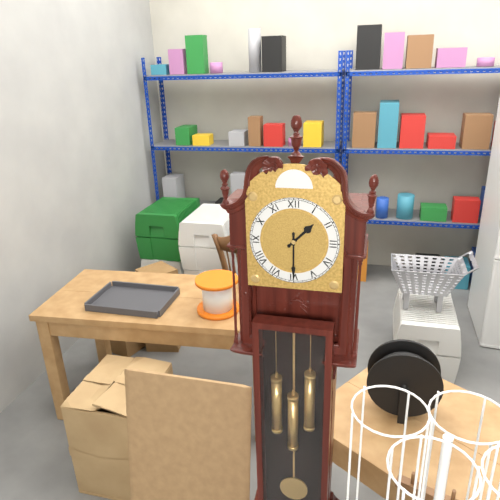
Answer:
{"hour": 1, "minute": 30}
